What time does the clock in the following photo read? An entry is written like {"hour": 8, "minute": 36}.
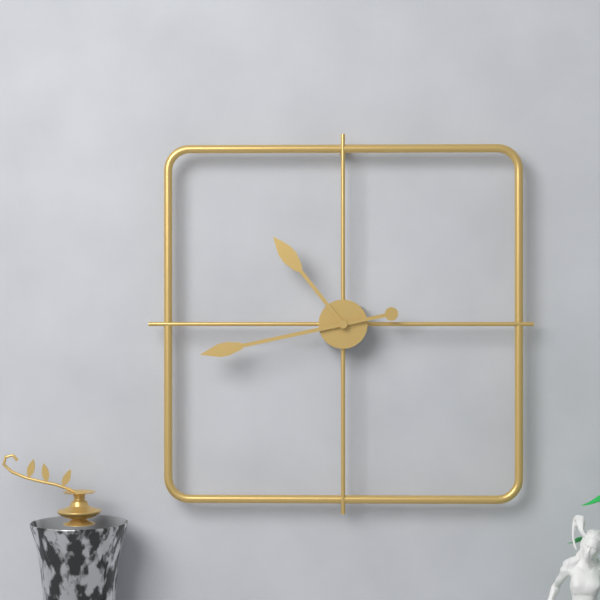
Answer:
{"hour": 10, "minute": 43}
